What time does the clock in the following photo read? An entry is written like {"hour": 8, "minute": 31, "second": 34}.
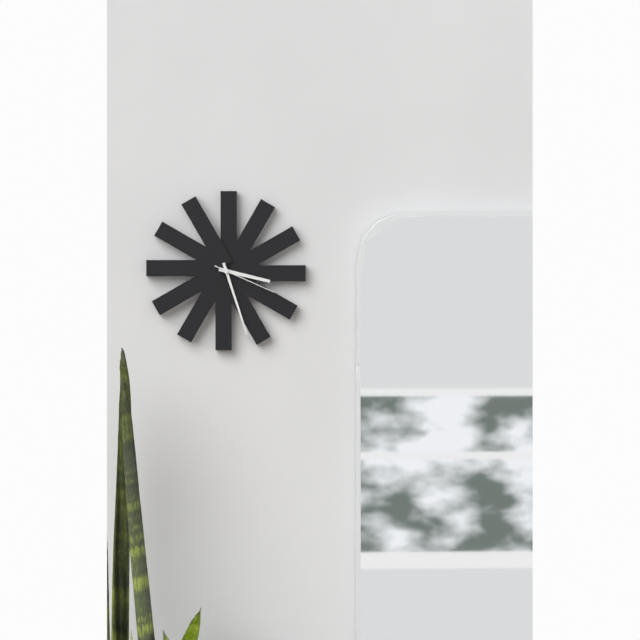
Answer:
{"hour": 3, "minute": 27, "second": 19}
